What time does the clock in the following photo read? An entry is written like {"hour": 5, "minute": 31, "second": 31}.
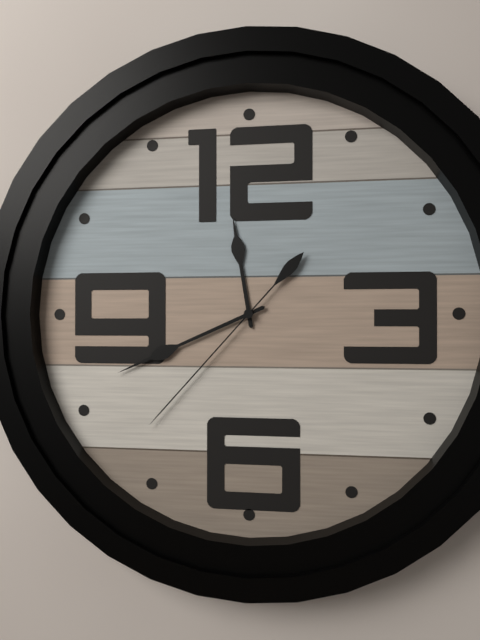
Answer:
{"hour": 11, "minute": 41, "second": 37}
